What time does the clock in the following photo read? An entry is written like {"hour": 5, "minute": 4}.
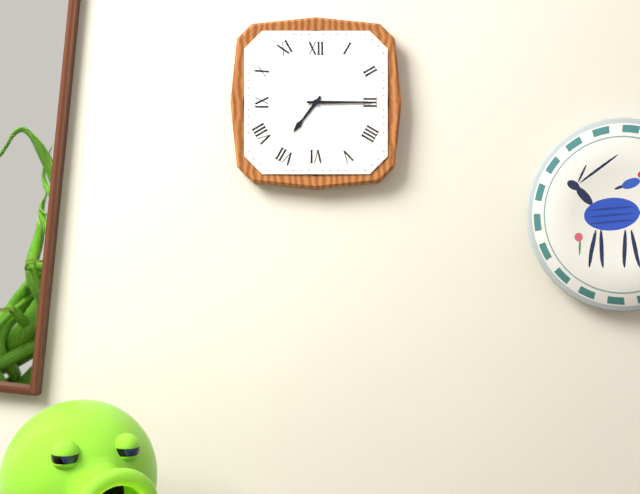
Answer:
{"hour": 7, "minute": 15}
